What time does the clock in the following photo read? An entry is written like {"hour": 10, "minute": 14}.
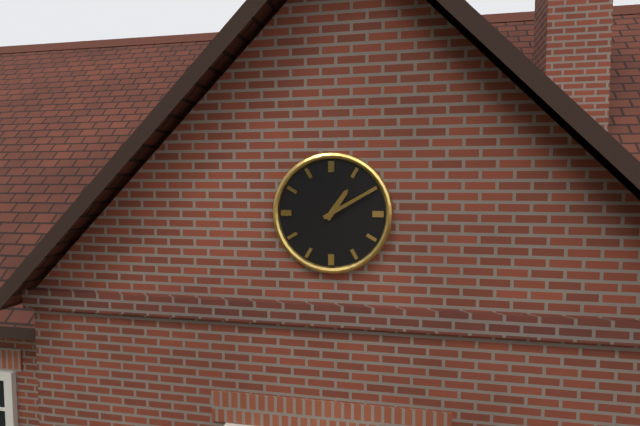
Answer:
{"hour": 1, "minute": 10}
